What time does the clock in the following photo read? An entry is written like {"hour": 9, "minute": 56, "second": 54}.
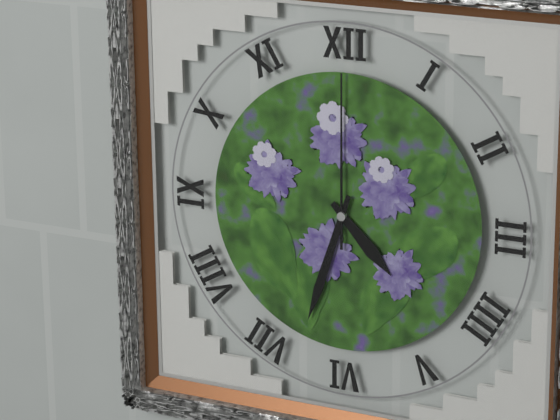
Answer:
{"hour": 4, "minute": 33, "second": 0}
